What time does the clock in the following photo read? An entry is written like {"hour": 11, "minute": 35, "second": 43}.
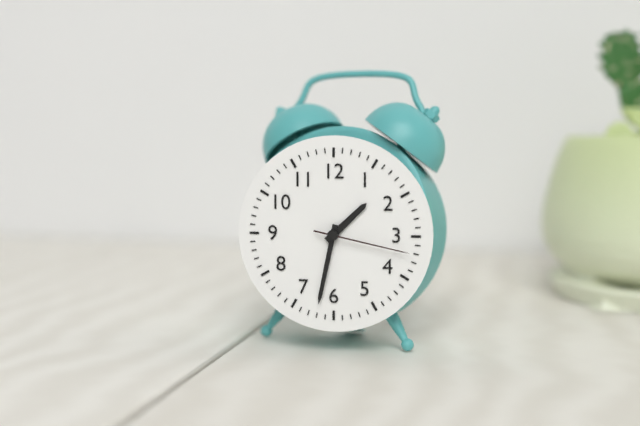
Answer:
{"hour": 1, "minute": 32, "second": 17}
